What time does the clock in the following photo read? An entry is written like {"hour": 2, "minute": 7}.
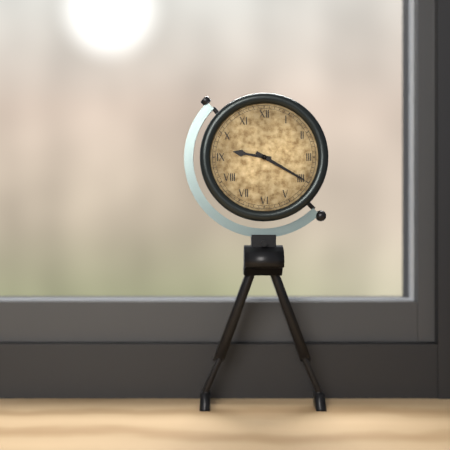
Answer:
{"hour": 9, "minute": 20}
